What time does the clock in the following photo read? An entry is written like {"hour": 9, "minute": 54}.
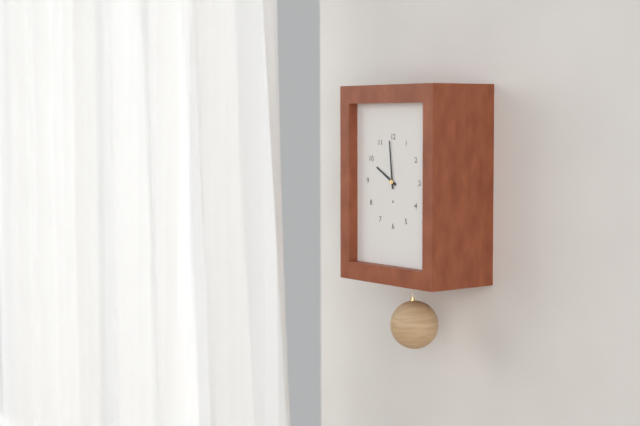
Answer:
{"hour": 9, "minute": 59}
